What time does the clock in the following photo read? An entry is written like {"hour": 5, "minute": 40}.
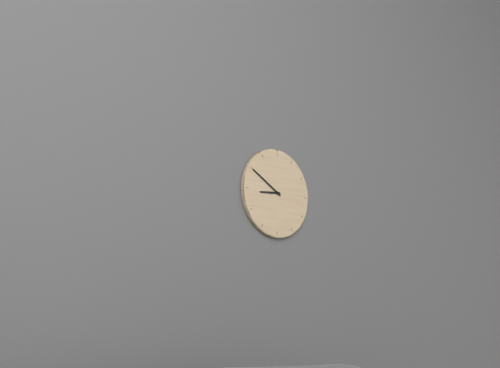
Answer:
{"hour": 8, "minute": 50}
